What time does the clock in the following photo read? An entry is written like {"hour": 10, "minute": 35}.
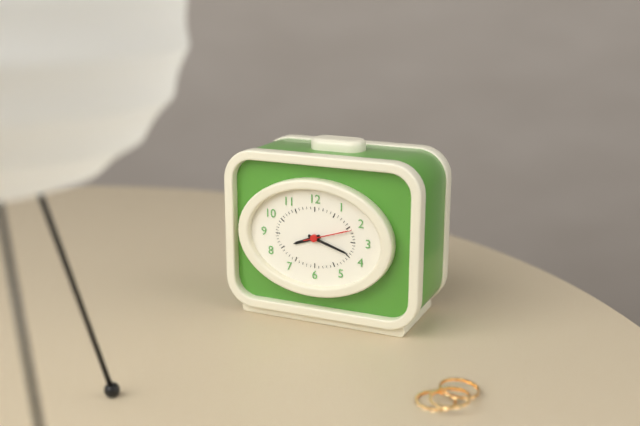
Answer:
{"hour": 8, "minute": 18}
